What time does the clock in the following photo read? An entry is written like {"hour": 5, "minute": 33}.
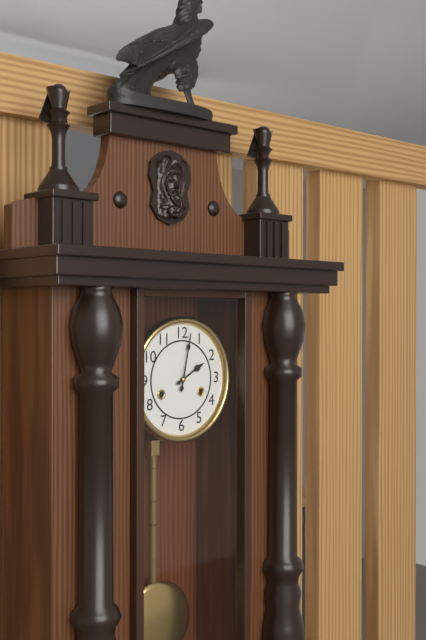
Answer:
{"hour": 2, "minute": 2}
